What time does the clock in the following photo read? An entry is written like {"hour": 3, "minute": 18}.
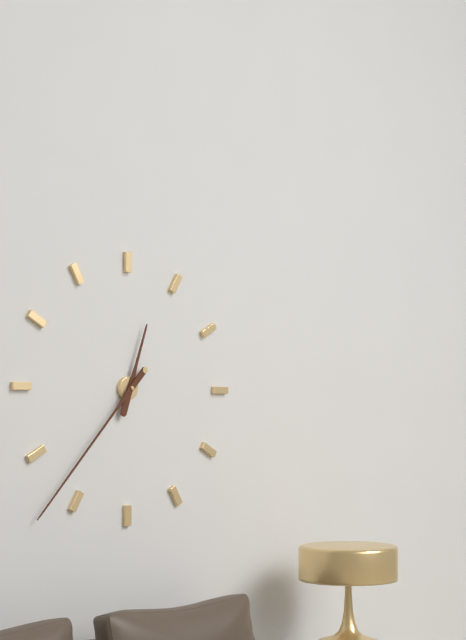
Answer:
{"hour": 12, "minute": 37}
